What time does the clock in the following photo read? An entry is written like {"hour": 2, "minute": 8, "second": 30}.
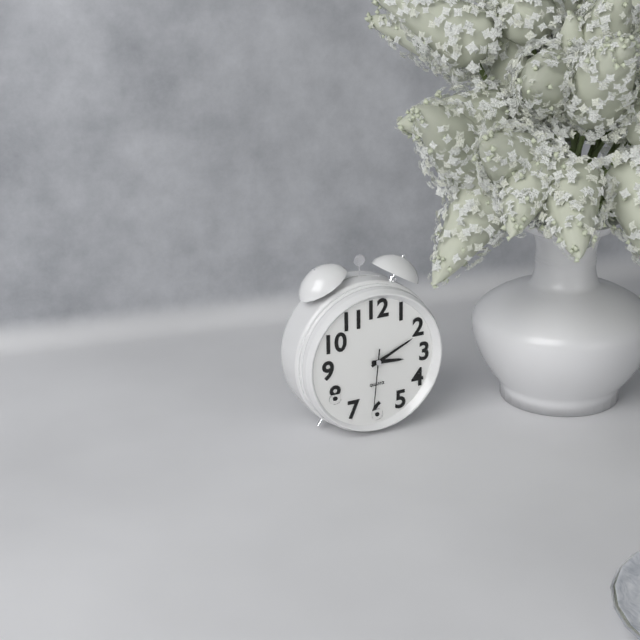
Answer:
{"hour": 3, "minute": 11, "second": 31}
